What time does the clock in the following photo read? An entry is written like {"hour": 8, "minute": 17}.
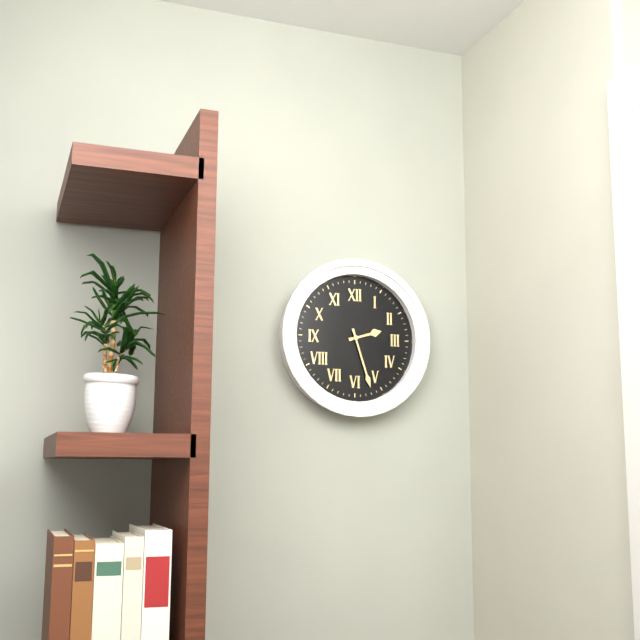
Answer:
{"hour": 2, "minute": 27}
